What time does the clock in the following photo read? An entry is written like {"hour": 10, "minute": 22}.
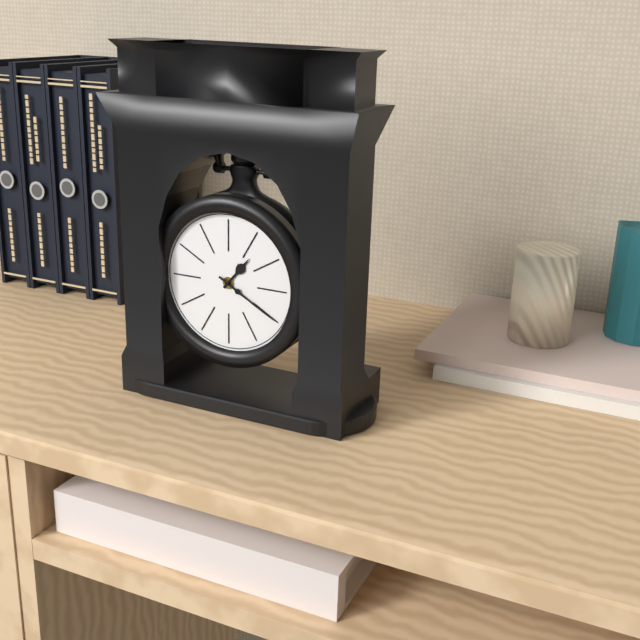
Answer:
{"hour": 1, "minute": 20}
